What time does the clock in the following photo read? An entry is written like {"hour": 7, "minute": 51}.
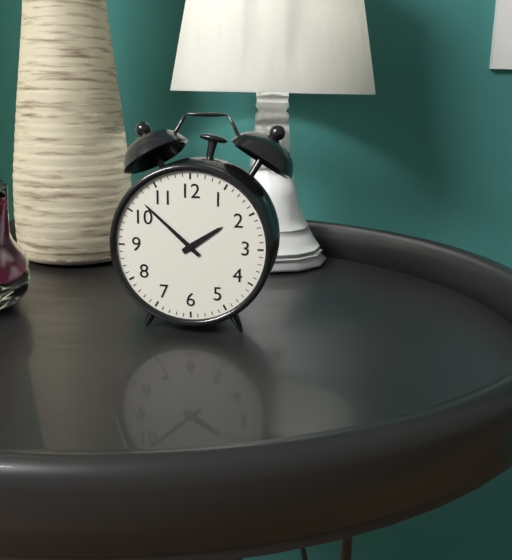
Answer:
{"hour": 1, "minute": 52}
